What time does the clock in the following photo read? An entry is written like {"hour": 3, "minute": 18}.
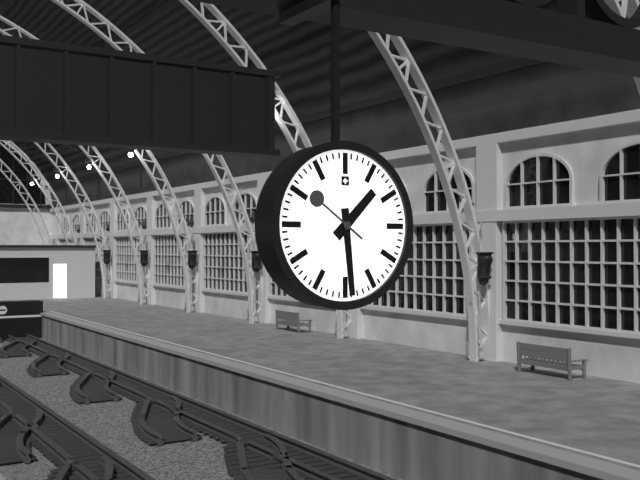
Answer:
{"hour": 1, "minute": 29}
